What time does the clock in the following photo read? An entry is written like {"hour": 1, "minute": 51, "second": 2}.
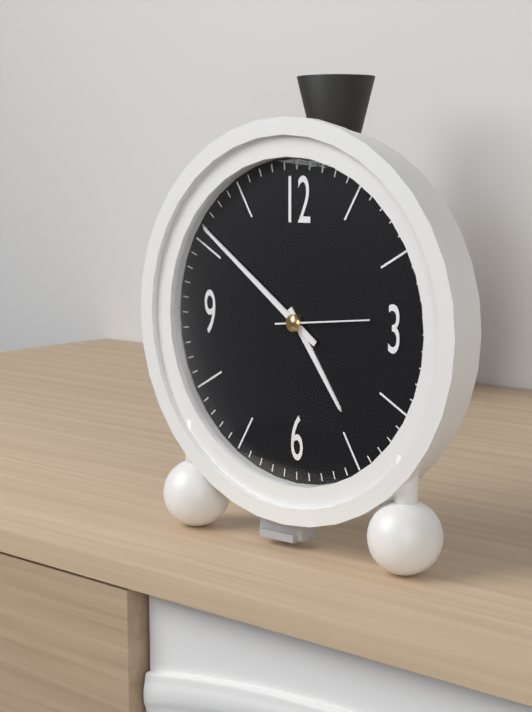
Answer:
{"hour": 4, "minute": 51, "second": 14}
